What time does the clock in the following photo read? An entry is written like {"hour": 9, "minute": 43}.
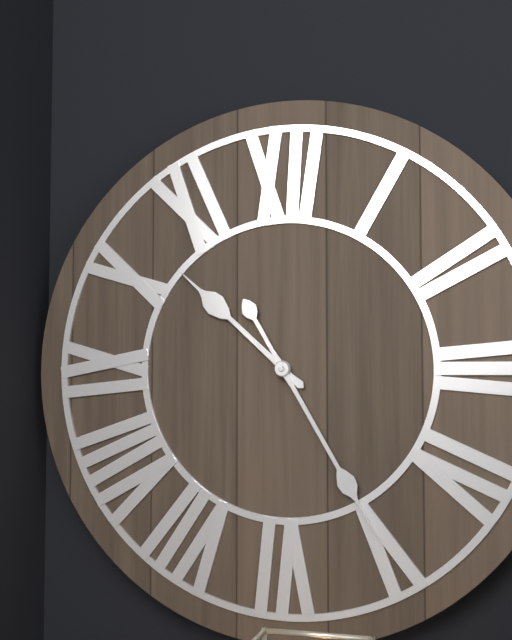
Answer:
{"hour": 10, "minute": 25}
